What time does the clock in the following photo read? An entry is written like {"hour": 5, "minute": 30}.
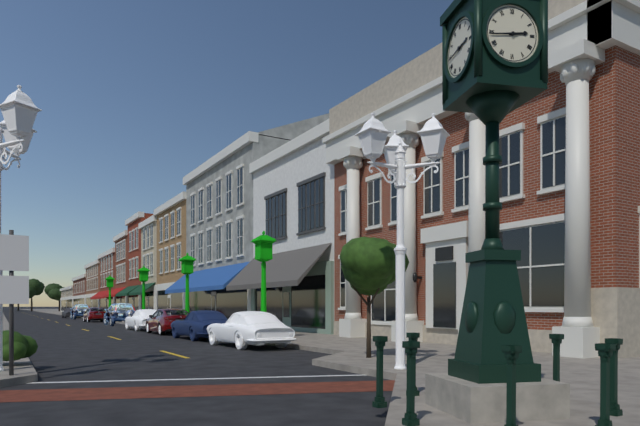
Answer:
{"hour": 2, "minute": 44}
